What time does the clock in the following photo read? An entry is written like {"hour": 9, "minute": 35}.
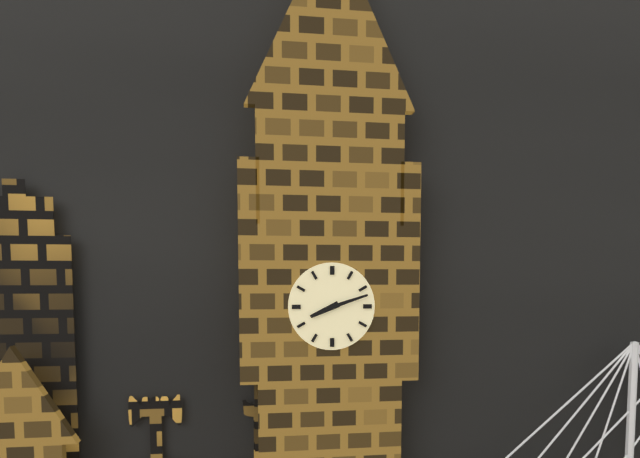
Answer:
{"hour": 8, "minute": 12}
